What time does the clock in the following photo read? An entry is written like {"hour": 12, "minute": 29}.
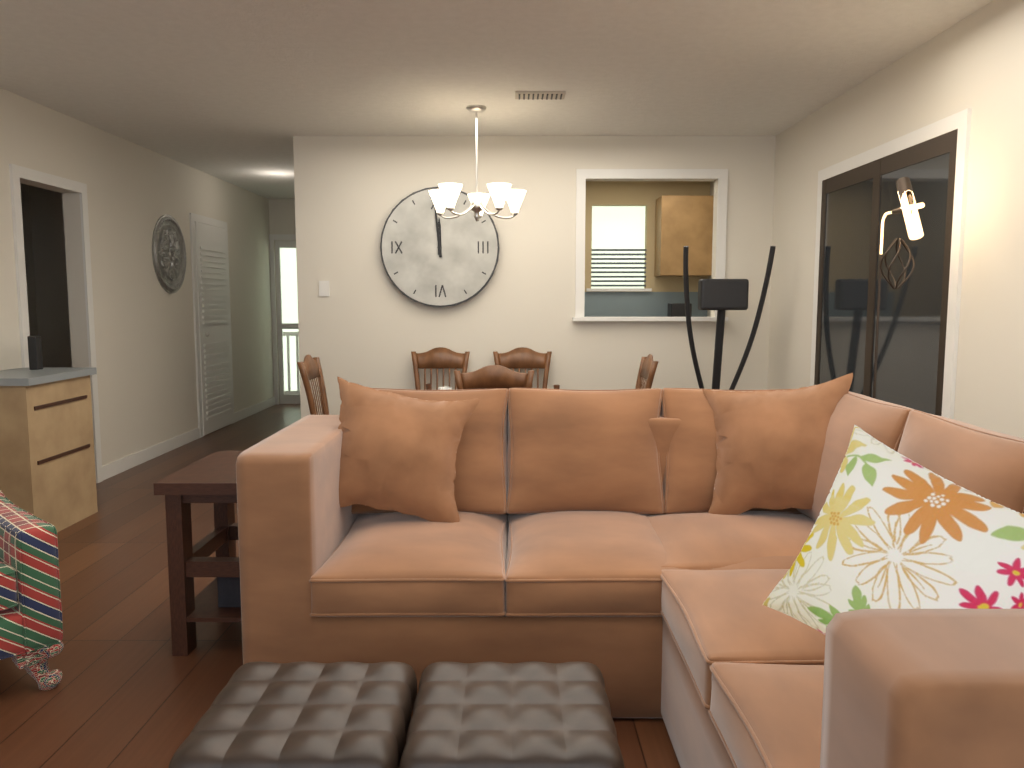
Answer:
{"hour": 11, "minute": 59}
